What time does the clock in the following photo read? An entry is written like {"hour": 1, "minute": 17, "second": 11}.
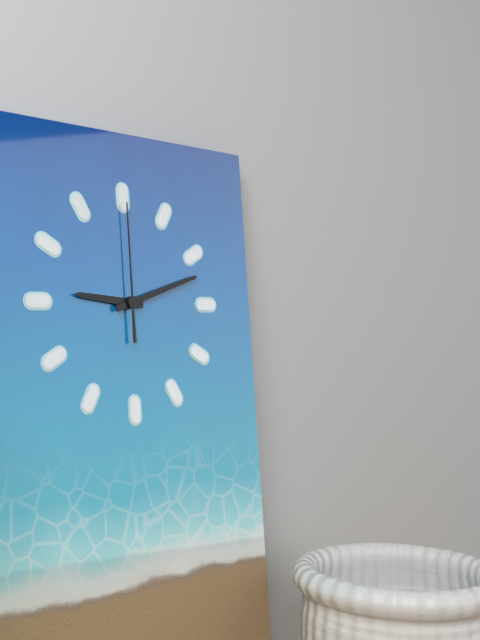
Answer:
{"hour": 9, "minute": 12, "second": 0}
